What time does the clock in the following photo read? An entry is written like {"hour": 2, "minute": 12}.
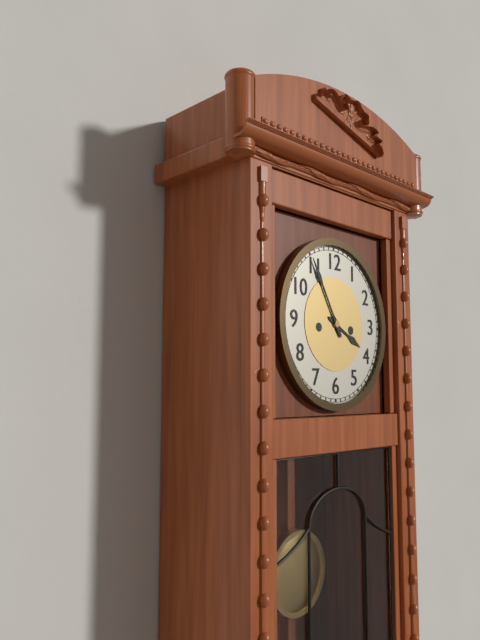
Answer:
{"hour": 3, "minute": 55}
